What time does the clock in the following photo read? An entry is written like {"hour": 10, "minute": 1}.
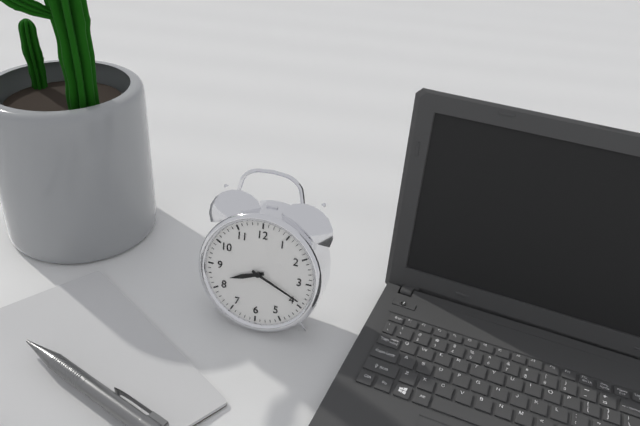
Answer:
{"hour": 8, "minute": 19}
